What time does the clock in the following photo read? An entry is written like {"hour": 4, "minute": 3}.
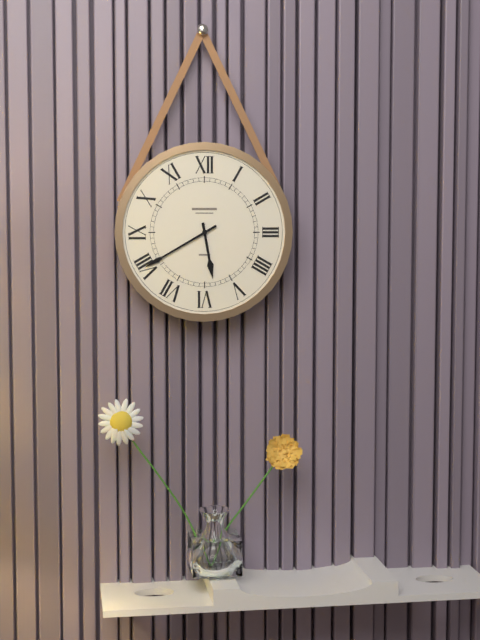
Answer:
{"hour": 5, "minute": 40}
